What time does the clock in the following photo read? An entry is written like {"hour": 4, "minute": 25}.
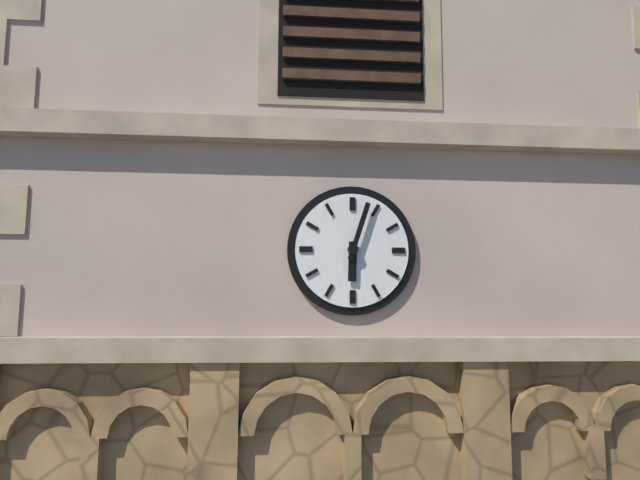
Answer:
{"hour": 6, "minute": 3}
